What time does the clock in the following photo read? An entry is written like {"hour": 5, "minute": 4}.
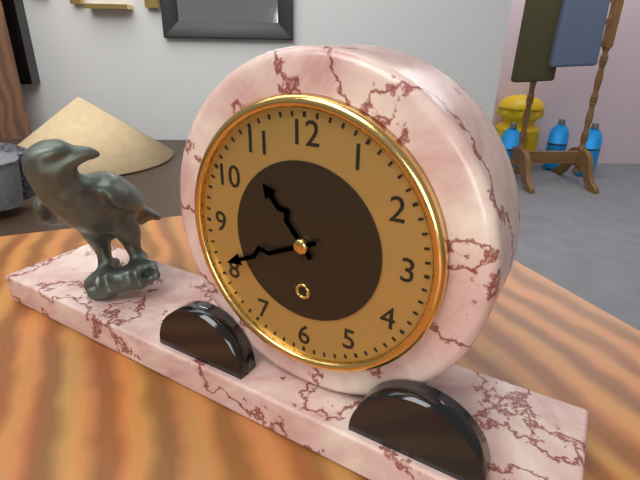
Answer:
{"hour": 10, "minute": 41}
